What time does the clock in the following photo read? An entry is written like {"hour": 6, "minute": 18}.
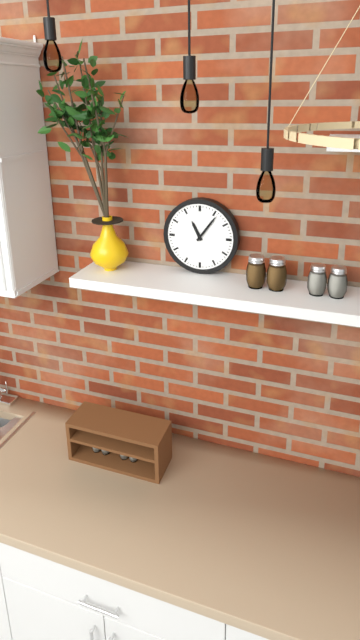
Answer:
{"hour": 11, "minute": 6}
